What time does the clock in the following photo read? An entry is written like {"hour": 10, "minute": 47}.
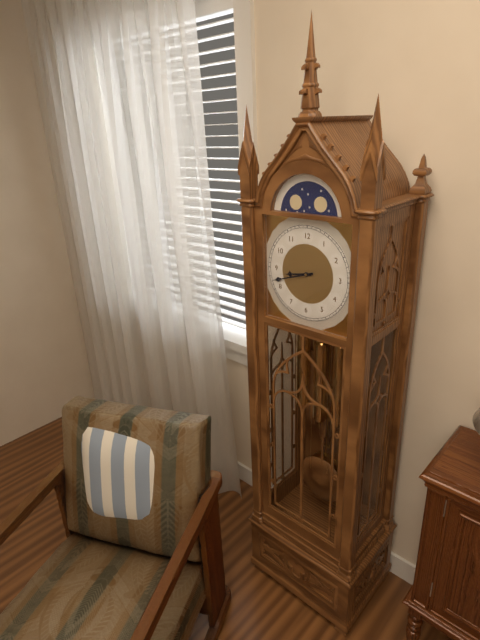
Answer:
{"hour": 8, "minute": 42}
